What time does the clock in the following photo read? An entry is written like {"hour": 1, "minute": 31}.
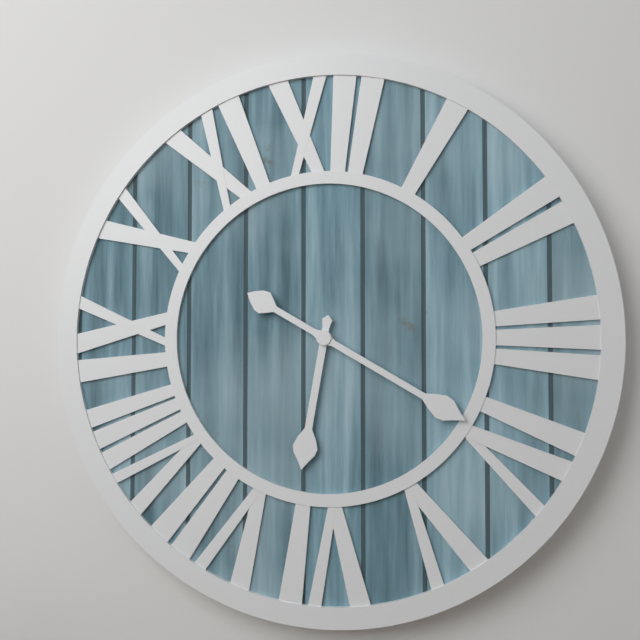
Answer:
{"hour": 6, "minute": 20}
